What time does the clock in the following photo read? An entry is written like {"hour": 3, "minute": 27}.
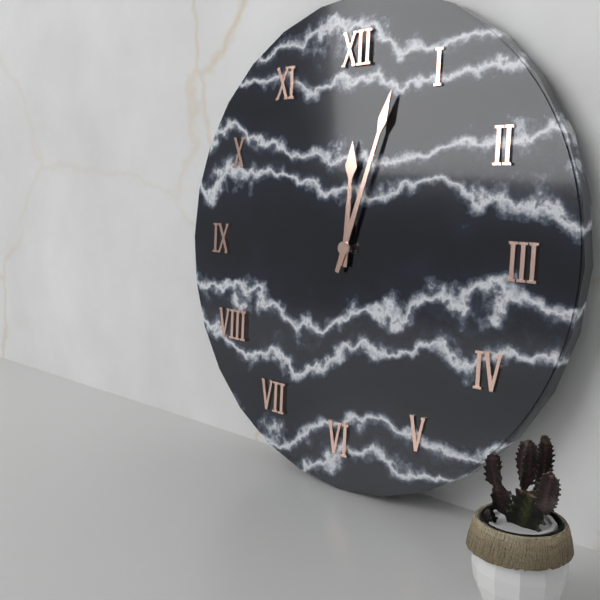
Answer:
{"hour": 12, "minute": 3}
